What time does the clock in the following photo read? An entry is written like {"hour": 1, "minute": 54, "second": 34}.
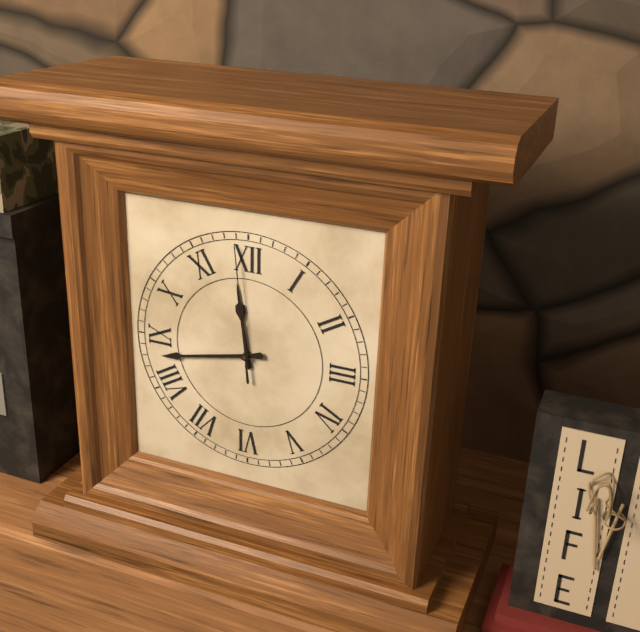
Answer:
{"hour": 11, "minute": 43, "second": 59}
